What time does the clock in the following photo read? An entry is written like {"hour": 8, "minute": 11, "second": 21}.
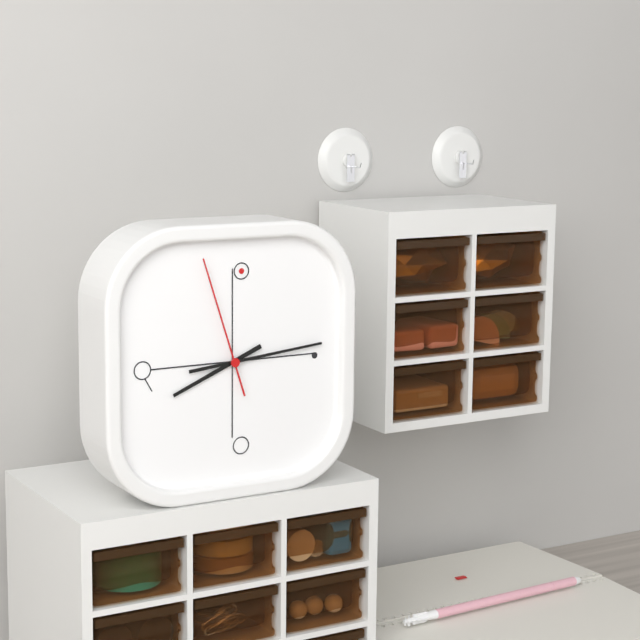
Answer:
{"hour": 8, "minute": 14, "second": 57}
